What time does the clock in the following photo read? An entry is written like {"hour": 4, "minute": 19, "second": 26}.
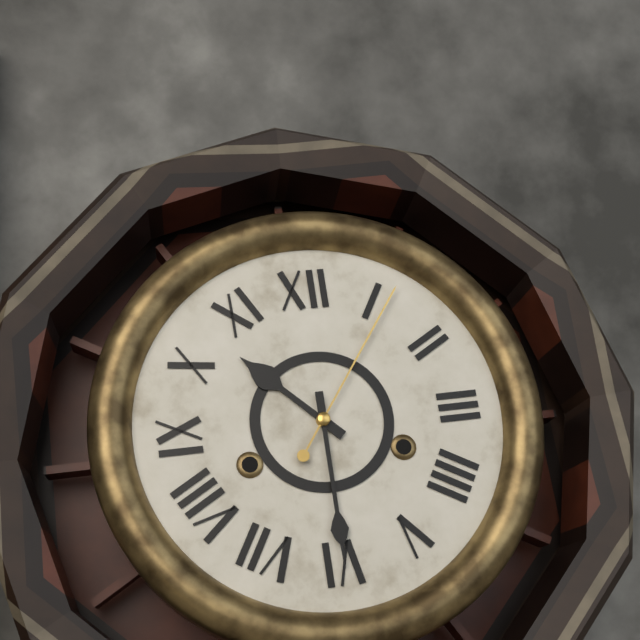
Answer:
{"hour": 10, "minute": 30, "second": 6}
